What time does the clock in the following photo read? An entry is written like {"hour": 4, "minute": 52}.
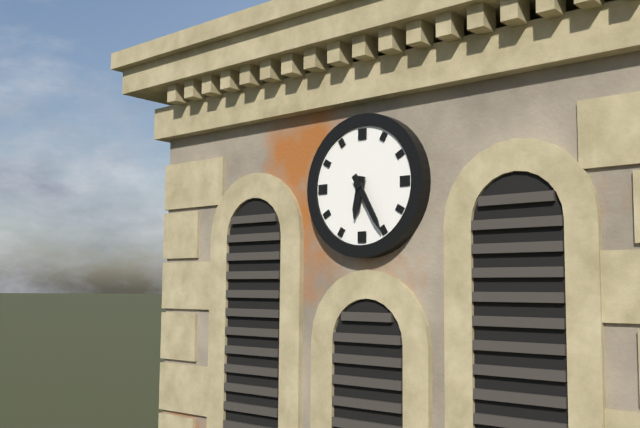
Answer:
{"hour": 6, "minute": 25}
